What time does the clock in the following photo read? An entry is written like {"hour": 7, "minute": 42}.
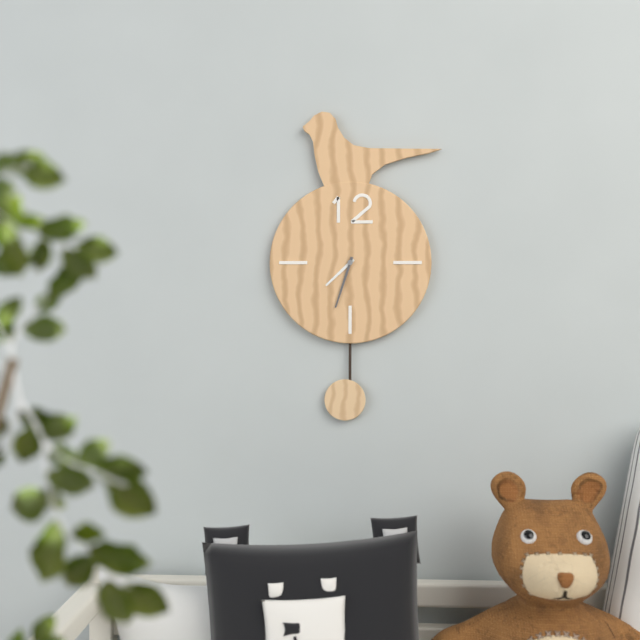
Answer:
{"hour": 7, "minute": 33}
